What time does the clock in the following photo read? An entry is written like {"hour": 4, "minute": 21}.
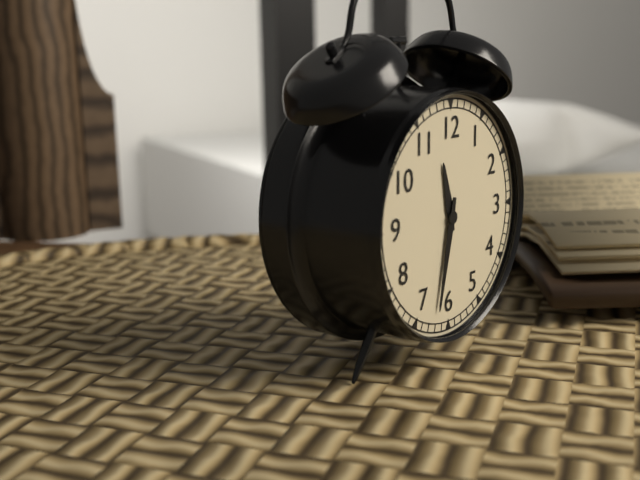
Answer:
{"hour": 11, "minute": 32}
